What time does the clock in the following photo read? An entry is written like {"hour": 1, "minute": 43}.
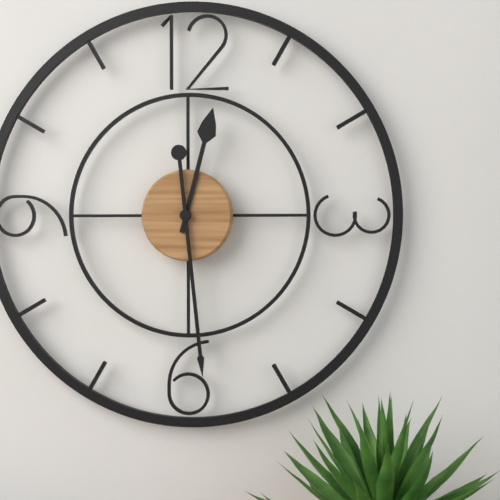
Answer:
{"hour": 12, "minute": 29}
